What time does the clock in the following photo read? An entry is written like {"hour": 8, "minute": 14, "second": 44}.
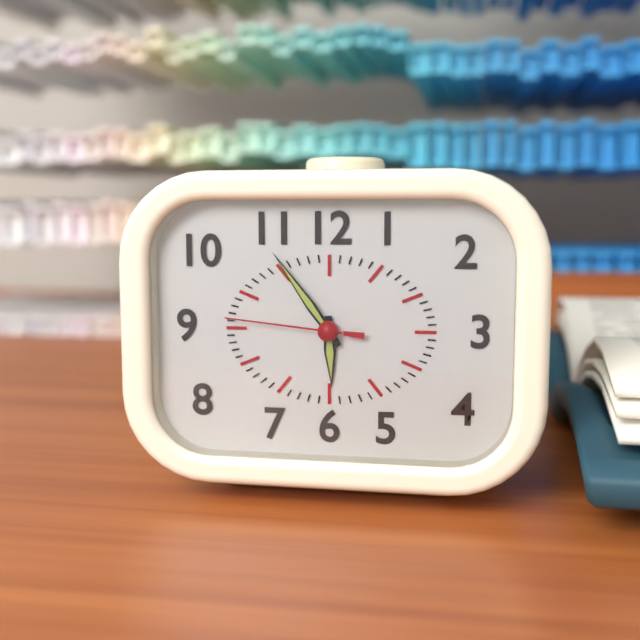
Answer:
{"hour": 5, "minute": 54, "second": 46}
